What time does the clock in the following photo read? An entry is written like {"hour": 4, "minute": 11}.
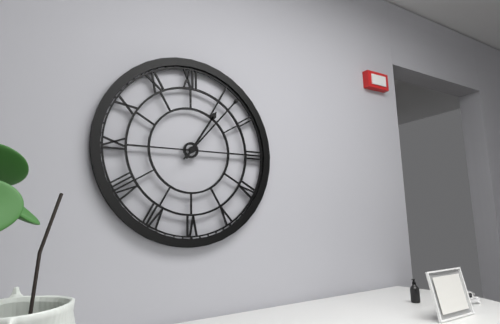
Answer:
{"hour": 1, "minute": 7}
